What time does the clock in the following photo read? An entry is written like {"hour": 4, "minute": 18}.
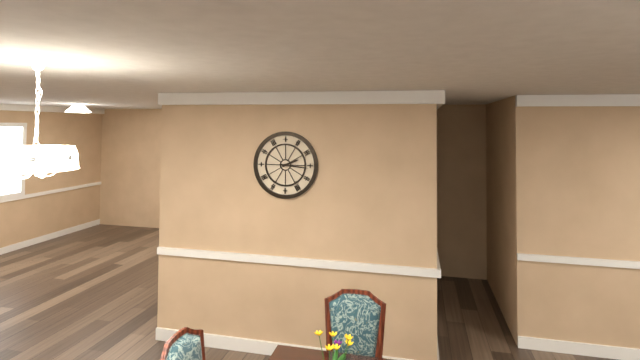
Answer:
{"hour": 2, "minute": 16}
